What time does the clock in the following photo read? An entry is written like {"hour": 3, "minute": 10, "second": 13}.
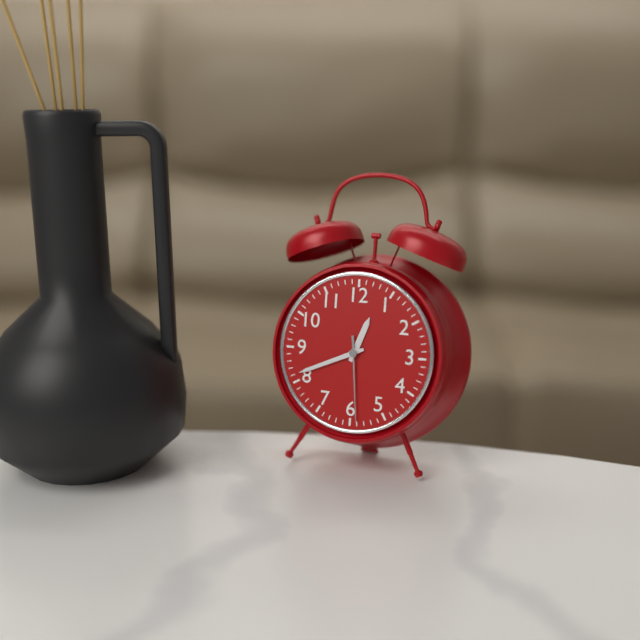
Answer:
{"hour": 12, "minute": 41, "second": 29}
